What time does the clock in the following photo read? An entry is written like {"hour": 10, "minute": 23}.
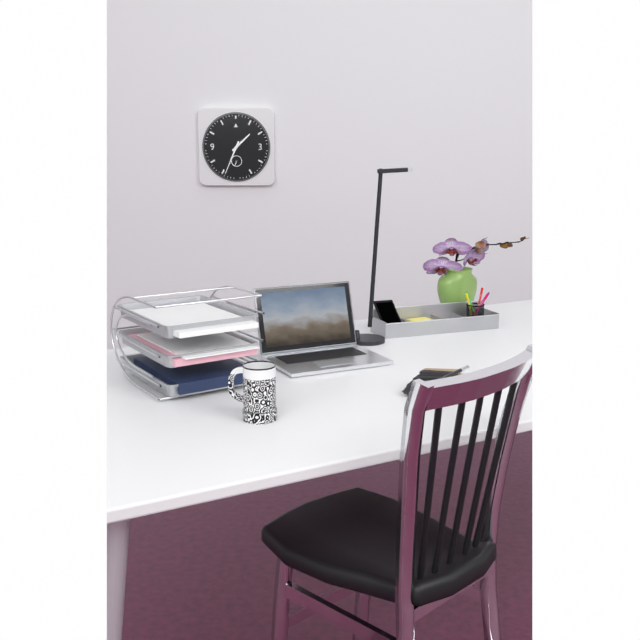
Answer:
{"hour": 1, "minute": 34}
